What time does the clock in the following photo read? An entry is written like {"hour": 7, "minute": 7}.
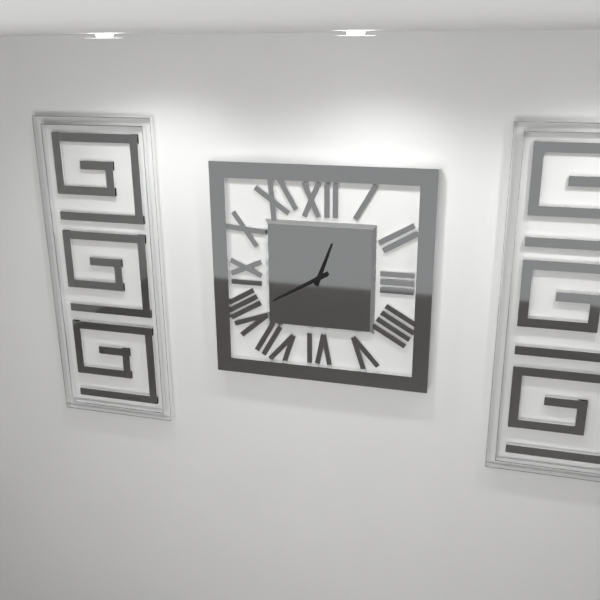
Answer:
{"hour": 12, "minute": 40}
